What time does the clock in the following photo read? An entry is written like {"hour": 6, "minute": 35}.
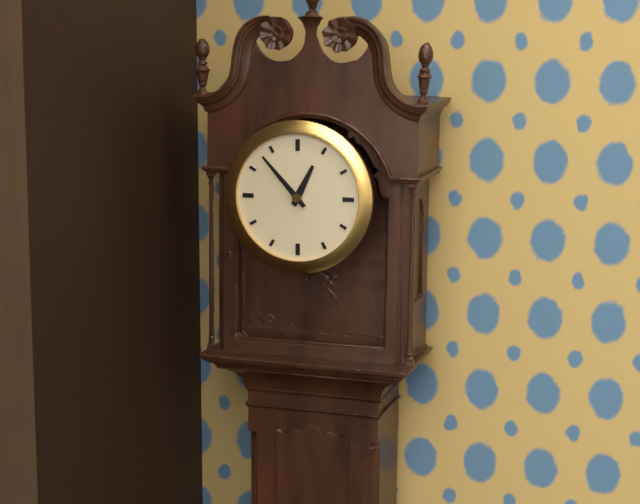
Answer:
{"hour": 12, "minute": 53}
